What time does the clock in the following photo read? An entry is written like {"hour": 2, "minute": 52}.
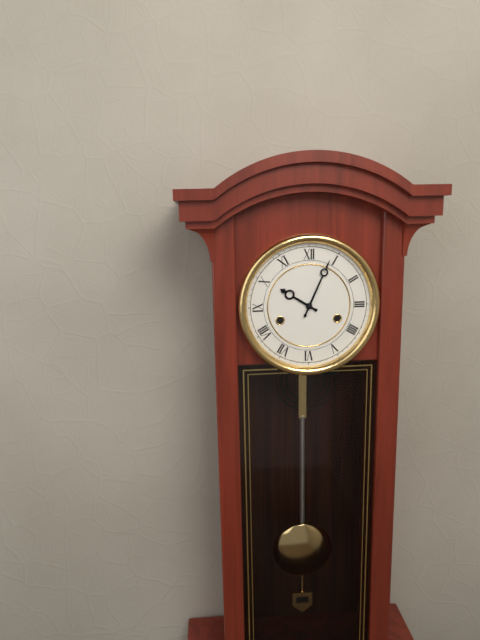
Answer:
{"hour": 10, "minute": 4}
